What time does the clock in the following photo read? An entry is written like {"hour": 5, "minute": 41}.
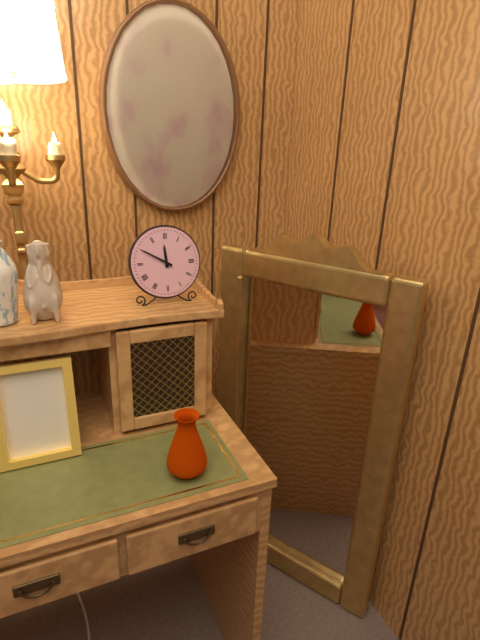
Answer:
{"hour": 11, "minute": 50}
